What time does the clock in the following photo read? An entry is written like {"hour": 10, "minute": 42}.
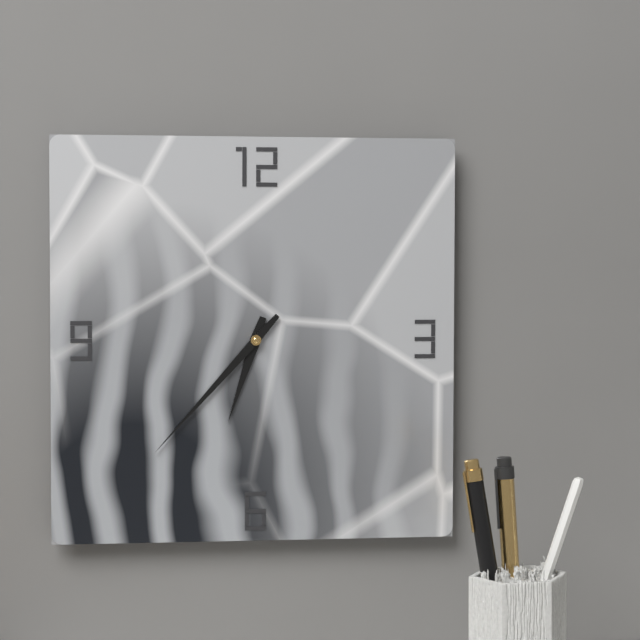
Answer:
{"hour": 6, "minute": 37}
